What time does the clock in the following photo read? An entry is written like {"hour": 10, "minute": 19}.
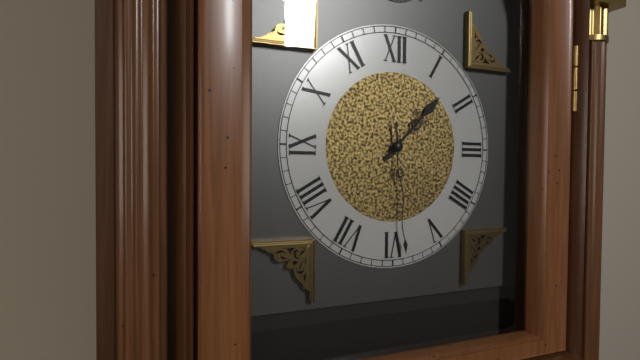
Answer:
{"hour": 1, "minute": 29}
